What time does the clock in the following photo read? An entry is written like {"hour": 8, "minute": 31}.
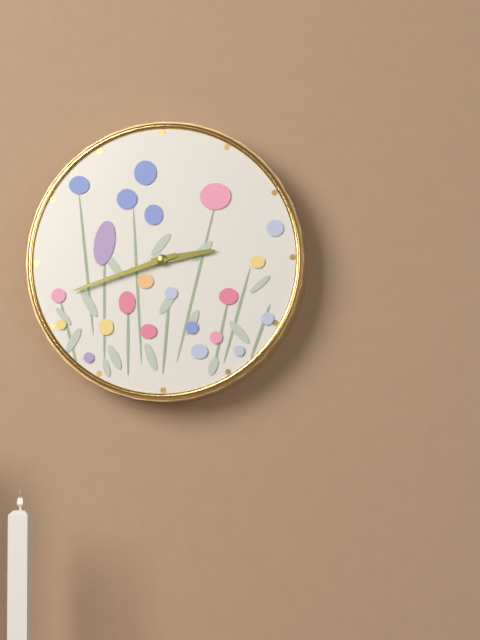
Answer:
{"hour": 2, "minute": 42}
